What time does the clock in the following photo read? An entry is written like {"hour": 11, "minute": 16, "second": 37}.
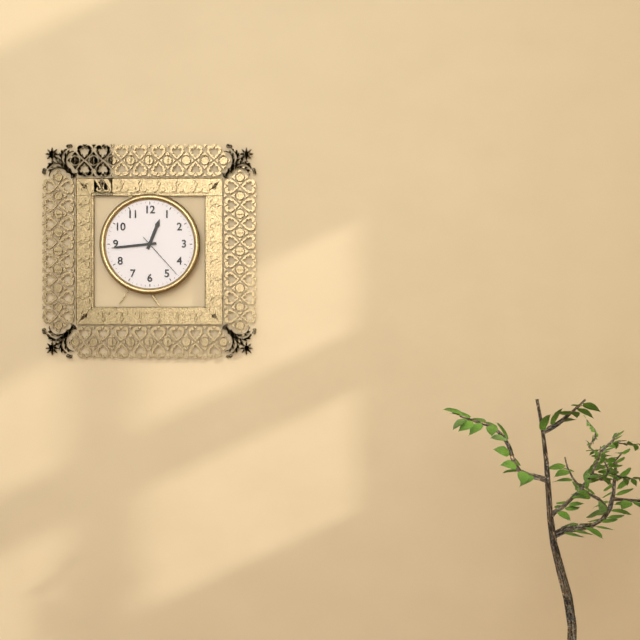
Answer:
{"hour": 12, "minute": 44, "second": 23}
